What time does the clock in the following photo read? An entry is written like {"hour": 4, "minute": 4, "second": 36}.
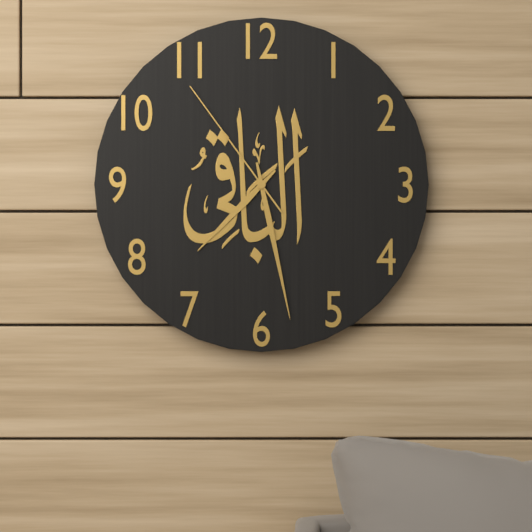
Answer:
{"hour": 7, "minute": 28, "second": 54}
